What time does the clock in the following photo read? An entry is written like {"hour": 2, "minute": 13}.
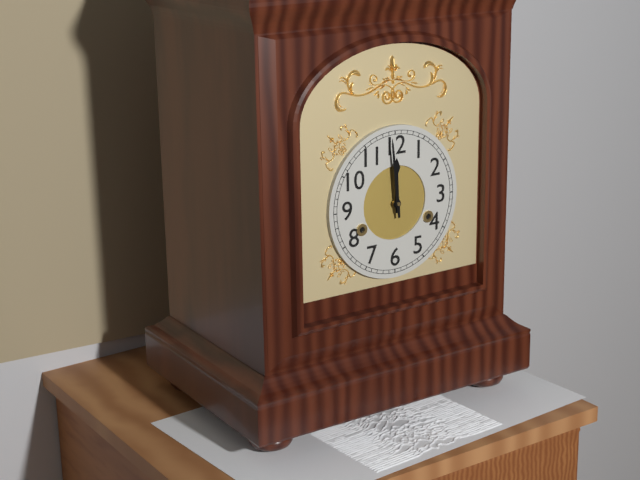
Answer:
{"hour": 11, "minute": 59}
